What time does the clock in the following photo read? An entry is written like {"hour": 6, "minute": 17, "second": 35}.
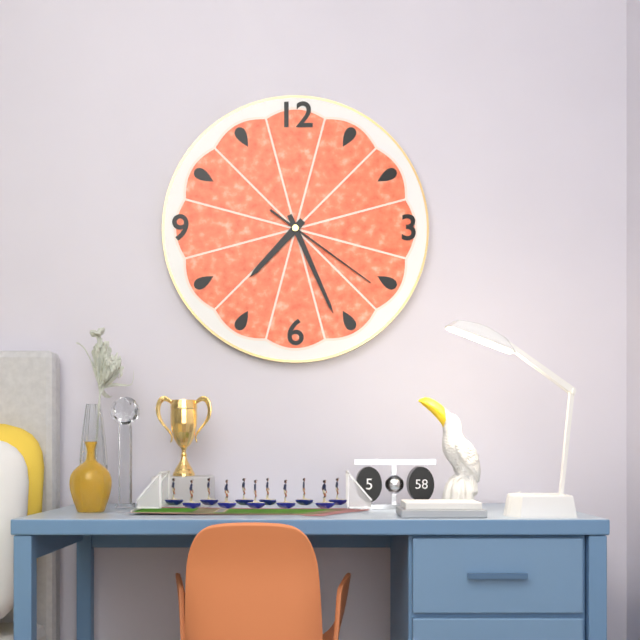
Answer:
{"hour": 7, "minute": 26, "second": 21}
